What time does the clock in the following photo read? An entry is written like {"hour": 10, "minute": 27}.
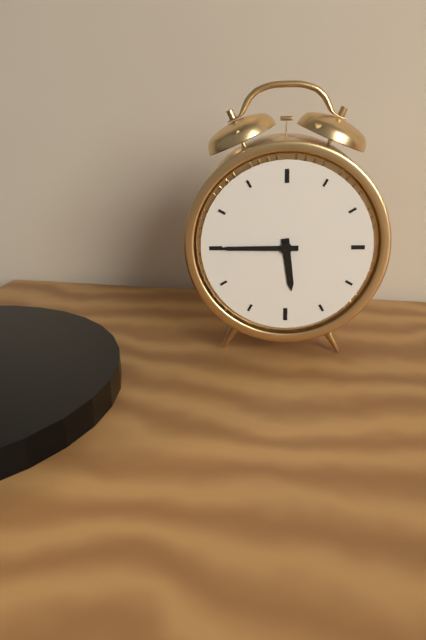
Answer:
{"hour": 5, "minute": 45}
